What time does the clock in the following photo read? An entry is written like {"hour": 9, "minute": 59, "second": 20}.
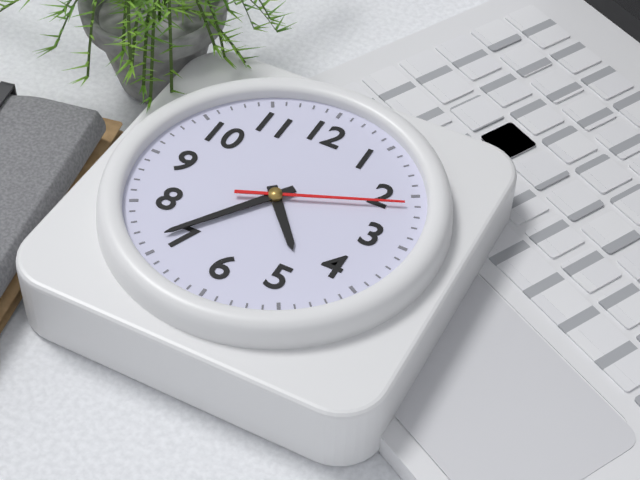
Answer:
{"hour": 4, "minute": 36, "second": 11}
